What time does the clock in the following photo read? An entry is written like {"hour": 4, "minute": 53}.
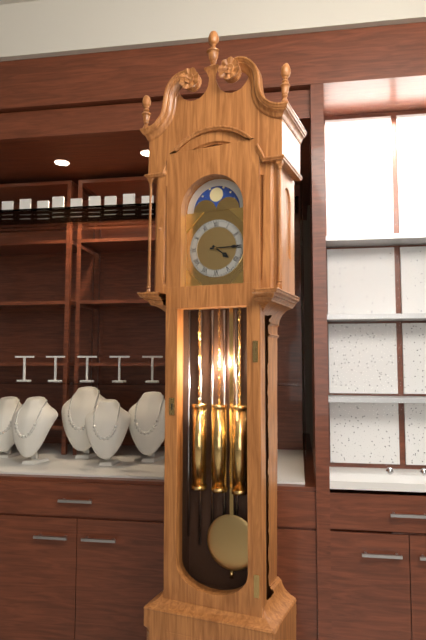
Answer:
{"hour": 4, "minute": 15}
